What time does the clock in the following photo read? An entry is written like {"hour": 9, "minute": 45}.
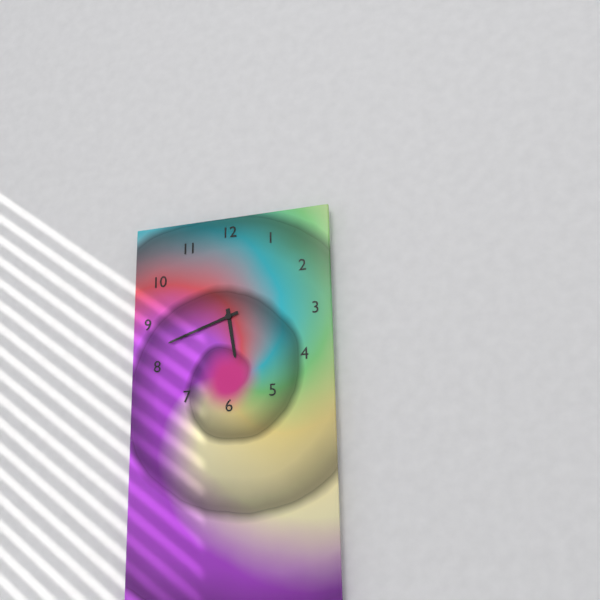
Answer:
{"hour": 5, "minute": 42}
